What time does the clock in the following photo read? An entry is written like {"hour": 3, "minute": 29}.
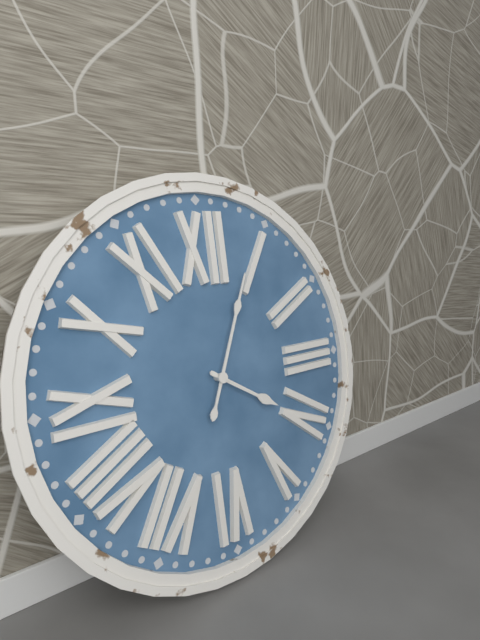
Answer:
{"hour": 4, "minute": 4}
